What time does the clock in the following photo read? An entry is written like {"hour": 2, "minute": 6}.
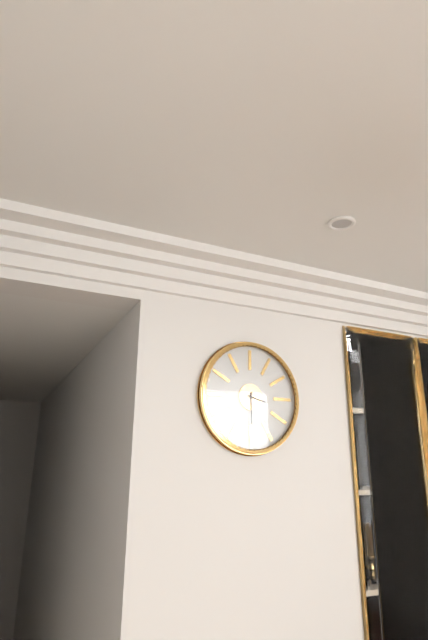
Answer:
{"hour": 3, "minute": 30}
